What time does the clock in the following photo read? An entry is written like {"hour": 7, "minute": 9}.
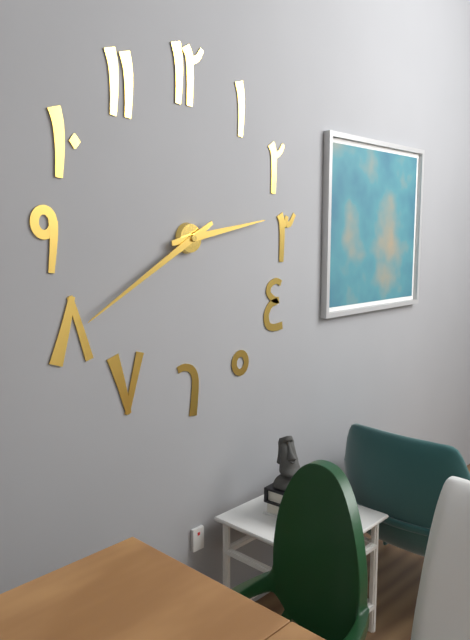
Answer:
{"hour": 2, "minute": 40}
